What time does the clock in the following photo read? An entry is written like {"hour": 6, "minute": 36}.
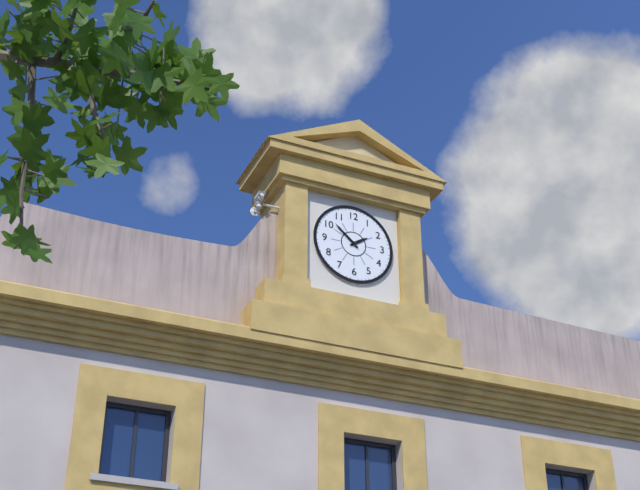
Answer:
{"hour": 1, "minute": 52}
